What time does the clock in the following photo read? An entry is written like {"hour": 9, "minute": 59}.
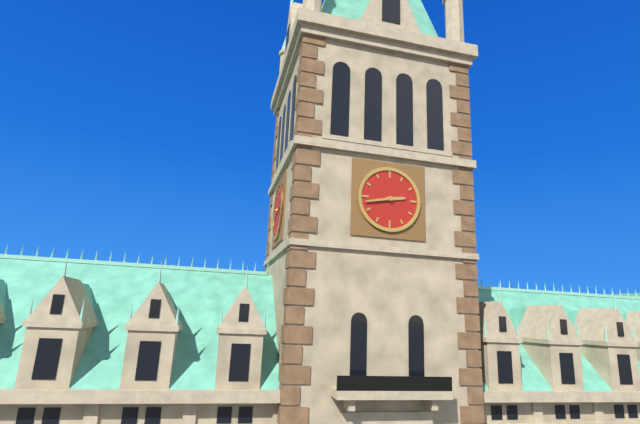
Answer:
{"hour": 2, "minute": 43}
